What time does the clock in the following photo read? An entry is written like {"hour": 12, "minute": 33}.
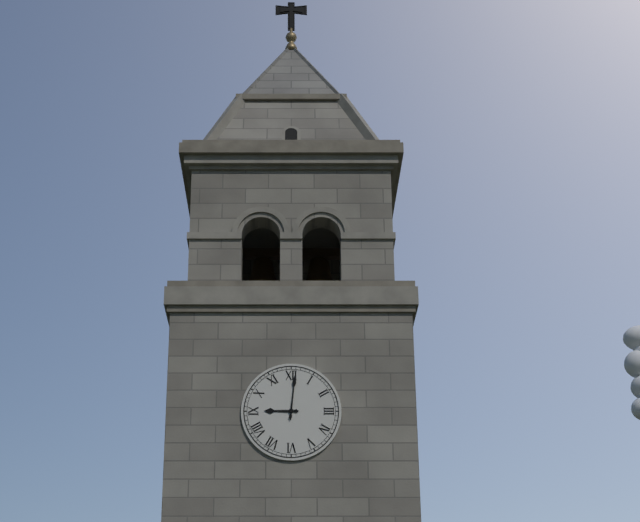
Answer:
{"hour": 9, "minute": 1}
